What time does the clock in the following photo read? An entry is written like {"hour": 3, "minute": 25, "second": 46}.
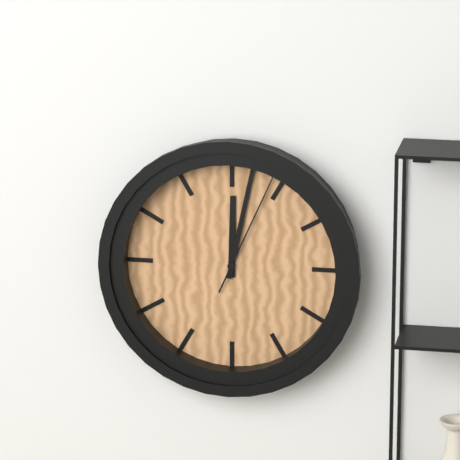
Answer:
{"hour": 12, "minute": 2, "second": 4}
